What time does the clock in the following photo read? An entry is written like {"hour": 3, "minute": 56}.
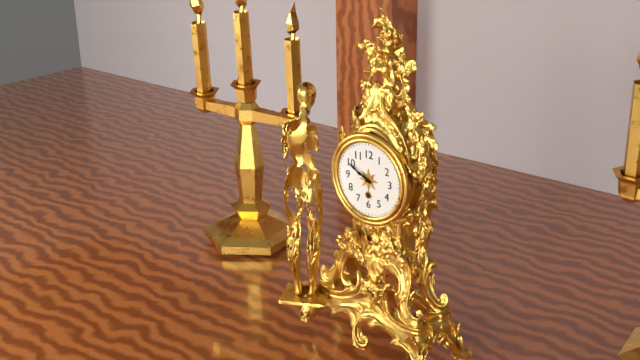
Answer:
{"hour": 9, "minute": 50}
